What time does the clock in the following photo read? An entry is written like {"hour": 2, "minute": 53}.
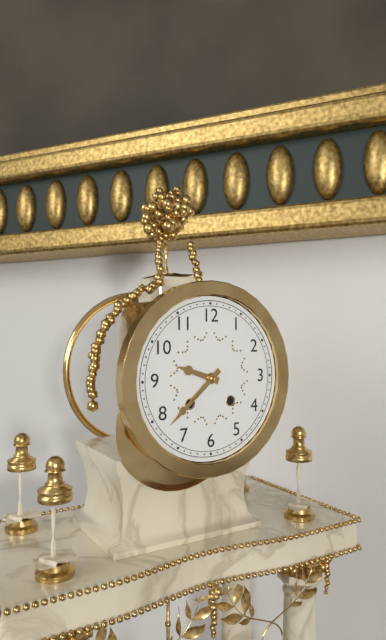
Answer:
{"hour": 9, "minute": 38}
